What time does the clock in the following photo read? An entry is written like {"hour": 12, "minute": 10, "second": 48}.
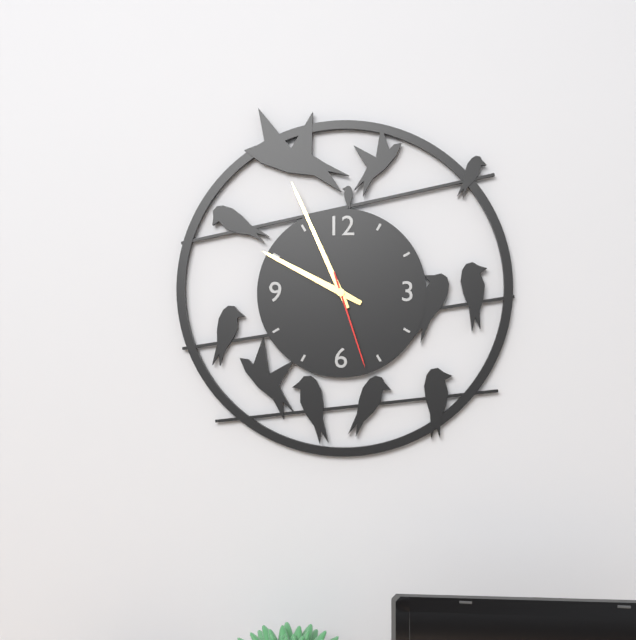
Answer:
{"hour": 9, "minute": 56, "second": 27}
